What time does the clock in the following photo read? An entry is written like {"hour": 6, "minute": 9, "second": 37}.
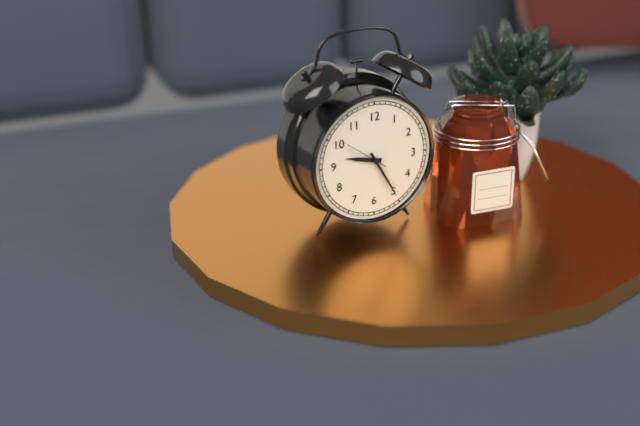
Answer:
{"hour": 9, "minute": 25, "second": 51}
